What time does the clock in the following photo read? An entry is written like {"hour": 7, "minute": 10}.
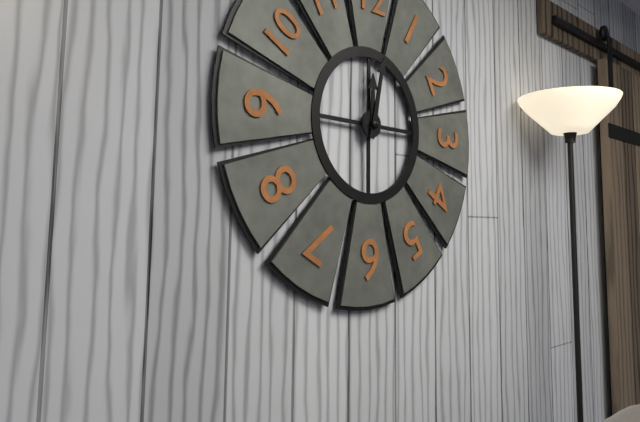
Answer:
{"hour": 12, "minute": 2}
